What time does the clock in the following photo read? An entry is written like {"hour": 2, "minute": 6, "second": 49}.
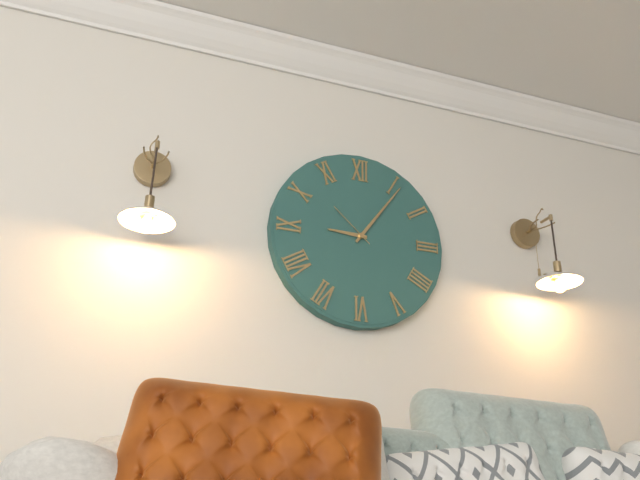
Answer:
{"hour": 9, "minute": 6, "second": 52}
